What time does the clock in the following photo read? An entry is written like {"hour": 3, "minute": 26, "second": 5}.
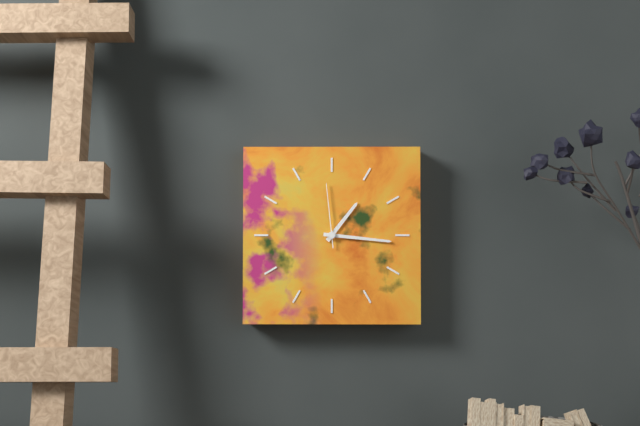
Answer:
{"hour": 1, "minute": 16, "second": 59}
